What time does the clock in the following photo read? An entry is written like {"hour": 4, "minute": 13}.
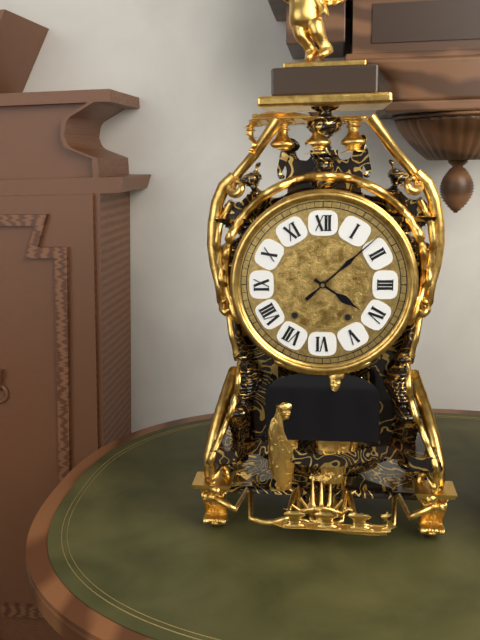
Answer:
{"hour": 4, "minute": 8}
